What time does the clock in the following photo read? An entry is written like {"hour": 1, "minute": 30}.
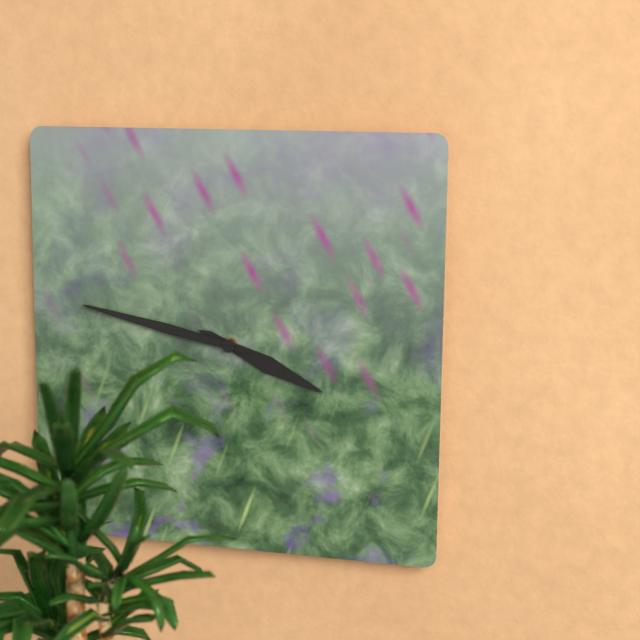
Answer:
{"hour": 3, "minute": 47}
